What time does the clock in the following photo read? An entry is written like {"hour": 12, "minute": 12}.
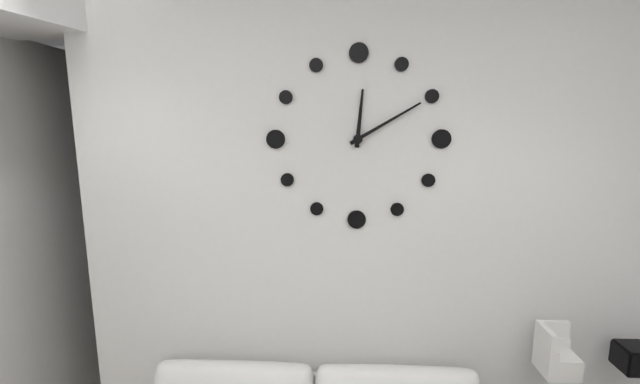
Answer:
{"hour": 12, "minute": 10}
